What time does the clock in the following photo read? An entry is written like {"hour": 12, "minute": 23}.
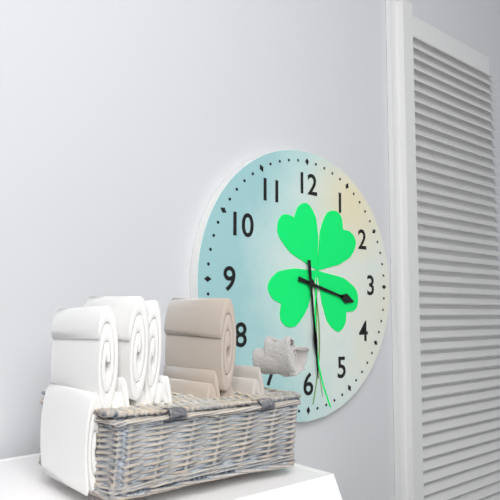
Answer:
{"hour": 3, "minute": 29}
